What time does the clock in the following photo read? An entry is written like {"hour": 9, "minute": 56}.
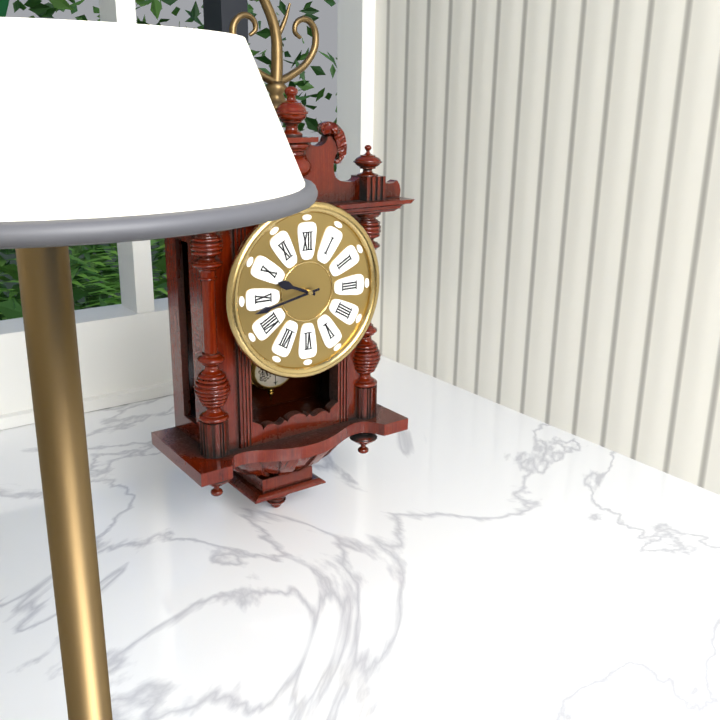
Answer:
{"hour": 9, "minute": 43}
